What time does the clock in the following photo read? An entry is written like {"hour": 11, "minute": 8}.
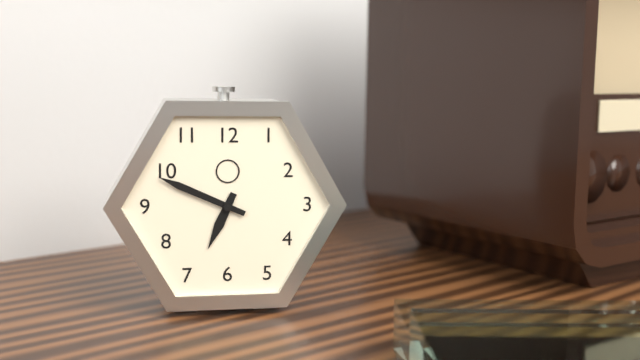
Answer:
{"hour": 6, "minute": 49}
